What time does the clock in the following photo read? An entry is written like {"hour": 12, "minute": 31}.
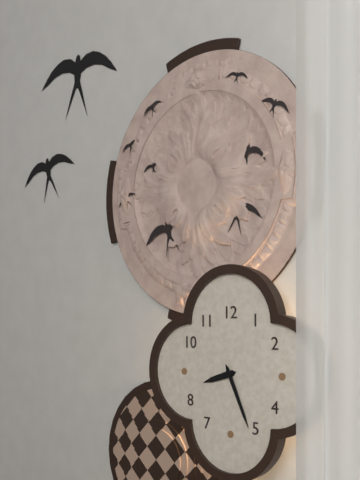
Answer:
{"hour": 8, "minute": 26}
